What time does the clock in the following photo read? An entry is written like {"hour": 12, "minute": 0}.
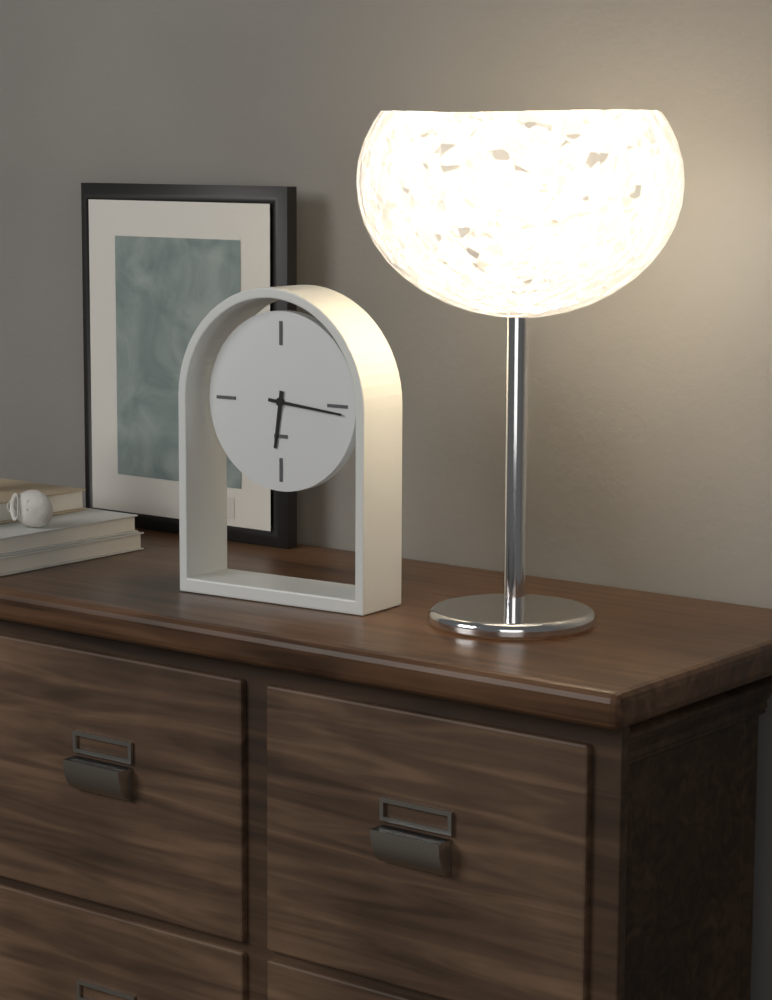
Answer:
{"hour": 6, "minute": 16}
